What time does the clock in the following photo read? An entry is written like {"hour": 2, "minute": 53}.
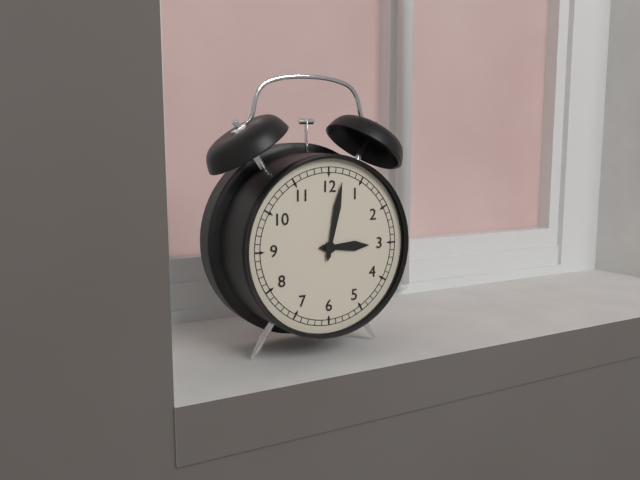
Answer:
{"hour": 3, "minute": 2}
